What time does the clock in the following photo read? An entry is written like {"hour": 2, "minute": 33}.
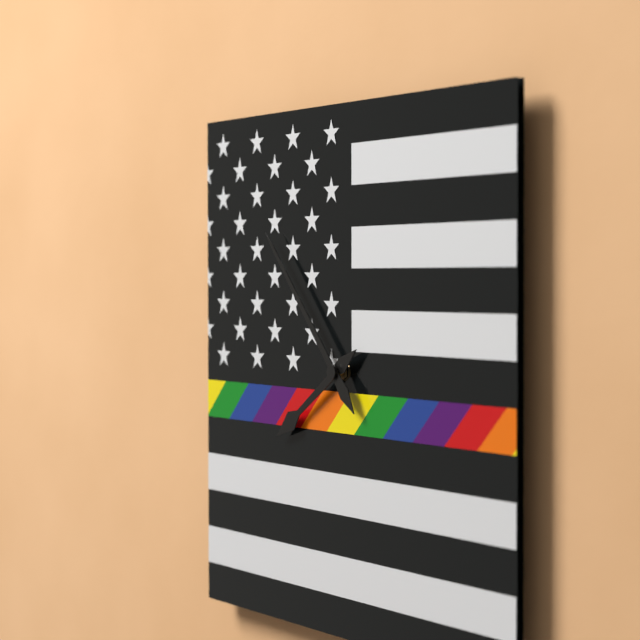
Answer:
{"hour": 7, "minute": 53}
